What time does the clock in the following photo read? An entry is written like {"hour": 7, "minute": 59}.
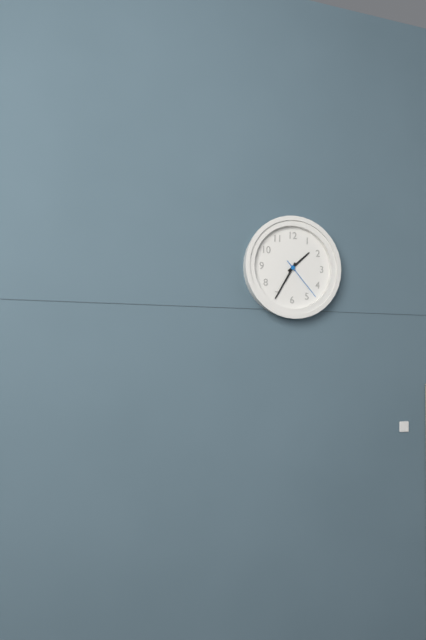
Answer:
{"hour": 1, "minute": 35}
